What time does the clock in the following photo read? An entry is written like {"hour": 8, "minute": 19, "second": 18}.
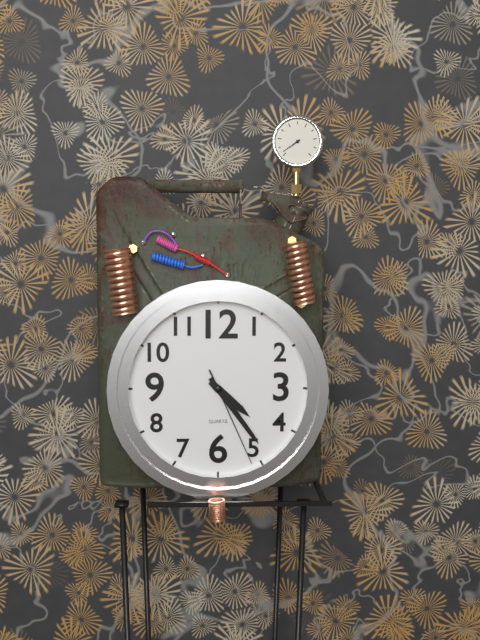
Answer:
{"hour": 4, "minute": 24, "second": 26}
